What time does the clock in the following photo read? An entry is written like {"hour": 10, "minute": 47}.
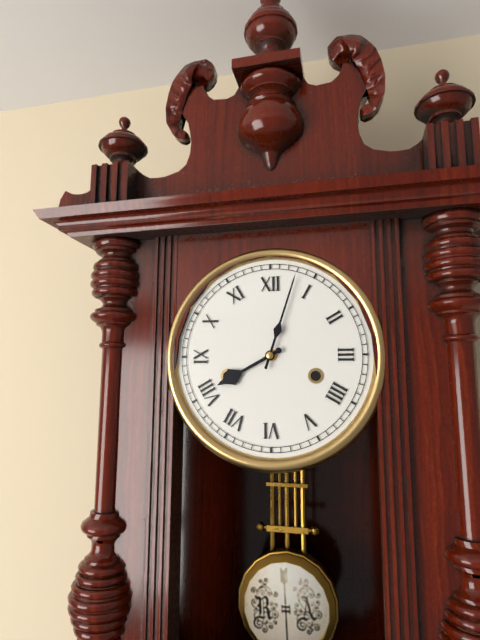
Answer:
{"hour": 8, "minute": 3}
